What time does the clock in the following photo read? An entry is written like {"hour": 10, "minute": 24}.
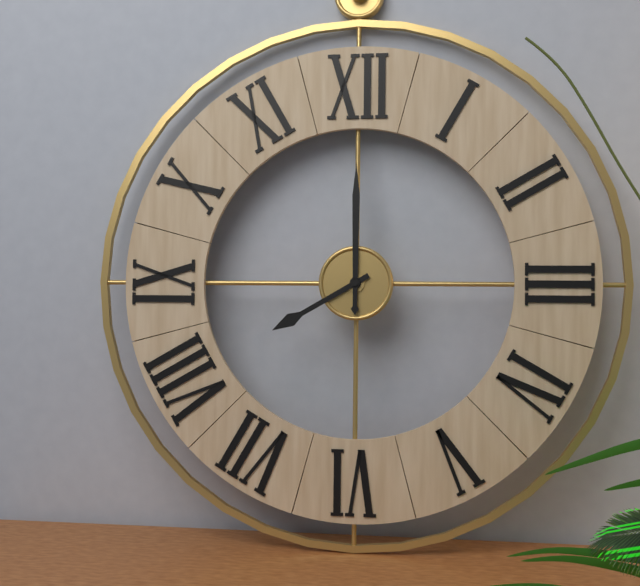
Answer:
{"hour": 8, "minute": 0}
